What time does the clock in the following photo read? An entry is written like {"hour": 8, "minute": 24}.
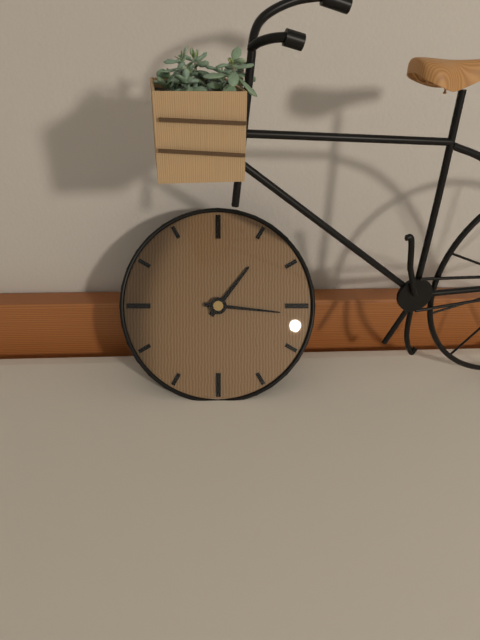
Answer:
{"hour": 1, "minute": 16}
